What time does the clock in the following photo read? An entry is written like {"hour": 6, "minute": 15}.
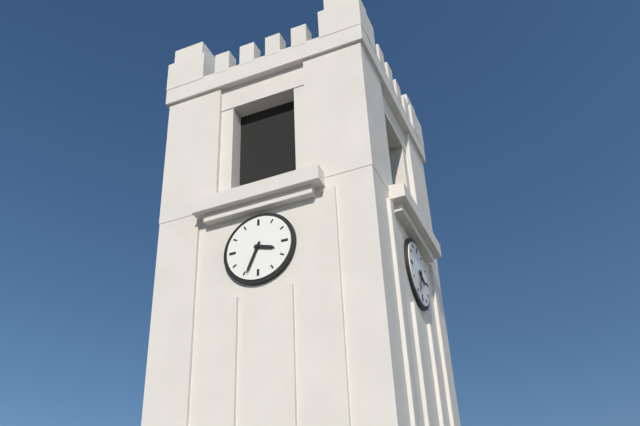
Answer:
{"hour": 3, "minute": 34}
